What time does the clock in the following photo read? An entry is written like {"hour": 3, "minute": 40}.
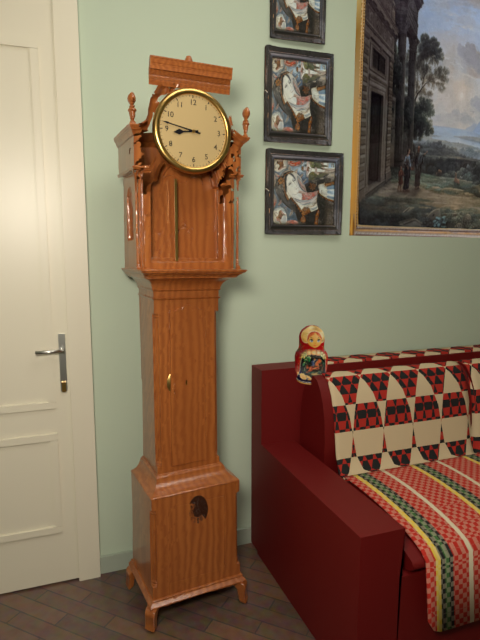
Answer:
{"hour": 8, "minute": 47}
